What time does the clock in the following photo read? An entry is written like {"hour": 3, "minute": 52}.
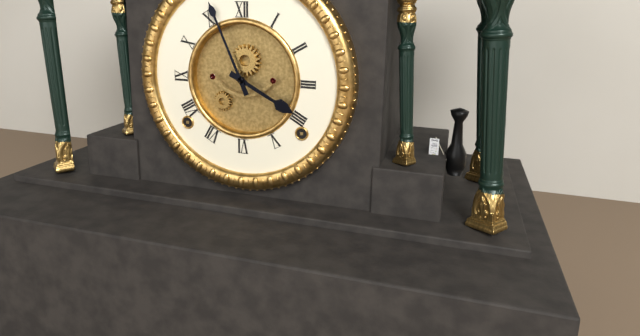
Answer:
{"hour": 3, "minute": 56}
